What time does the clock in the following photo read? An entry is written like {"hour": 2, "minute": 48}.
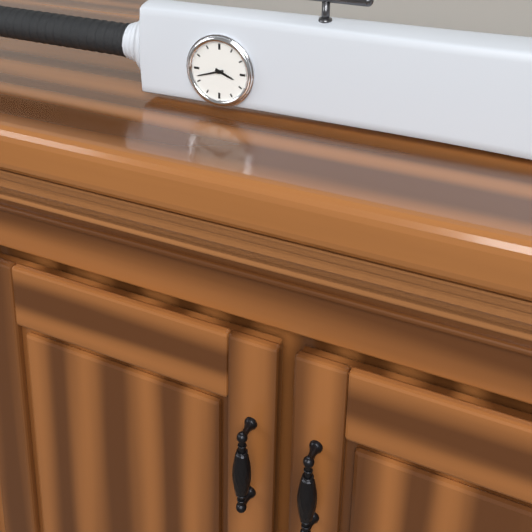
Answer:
{"hour": 3, "minute": 42}
